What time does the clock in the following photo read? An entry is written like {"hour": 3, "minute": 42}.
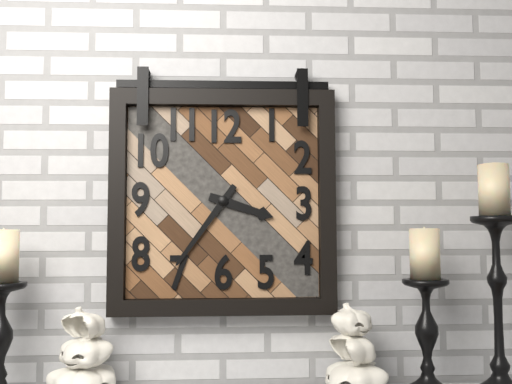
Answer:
{"hour": 3, "minute": 36}
